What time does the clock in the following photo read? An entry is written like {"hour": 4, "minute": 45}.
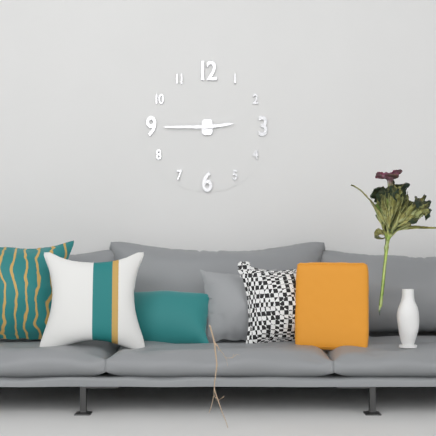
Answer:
{"hour": 2, "minute": 45}
